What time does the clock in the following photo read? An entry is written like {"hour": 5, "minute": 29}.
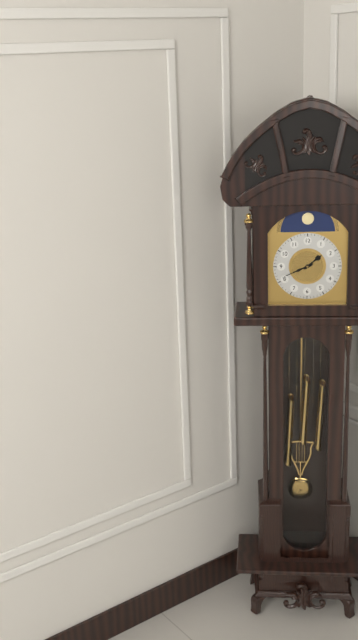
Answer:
{"hour": 1, "minute": 41}
